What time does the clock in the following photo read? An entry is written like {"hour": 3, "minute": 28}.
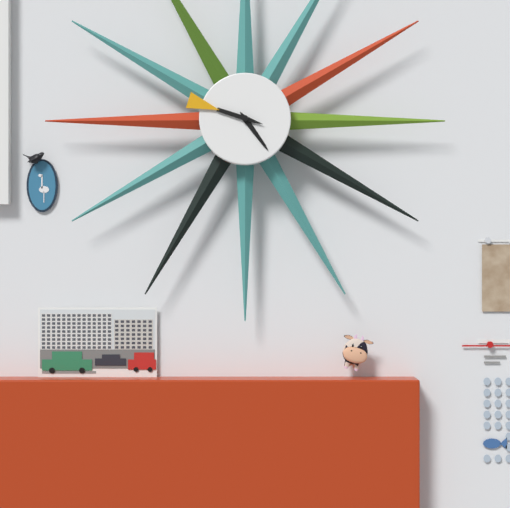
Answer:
{"hour": 4, "minute": 48}
